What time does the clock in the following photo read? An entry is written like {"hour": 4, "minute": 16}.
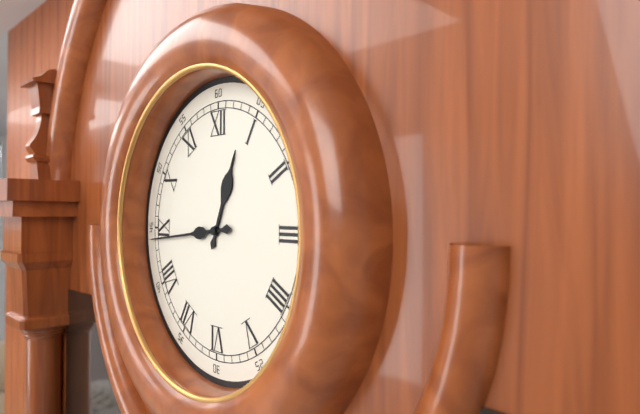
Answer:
{"hour": 12, "minute": 44}
